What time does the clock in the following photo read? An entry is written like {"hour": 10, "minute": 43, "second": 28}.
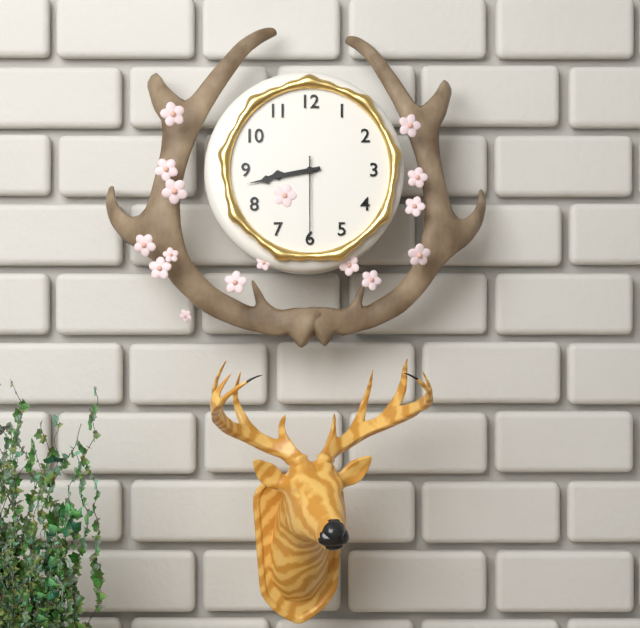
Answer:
{"hour": 8, "minute": 43, "second": 30}
